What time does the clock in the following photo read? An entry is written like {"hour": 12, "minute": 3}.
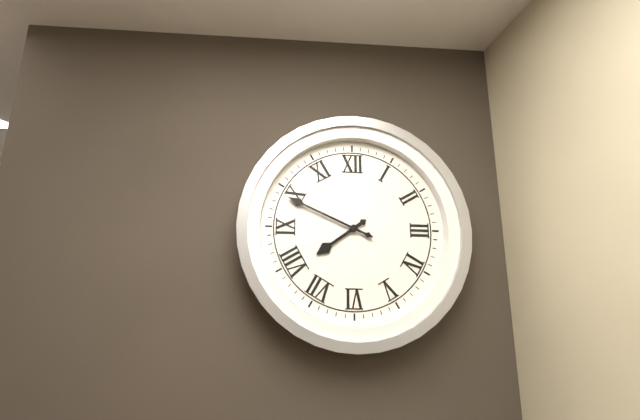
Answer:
{"hour": 7, "minute": 49}
